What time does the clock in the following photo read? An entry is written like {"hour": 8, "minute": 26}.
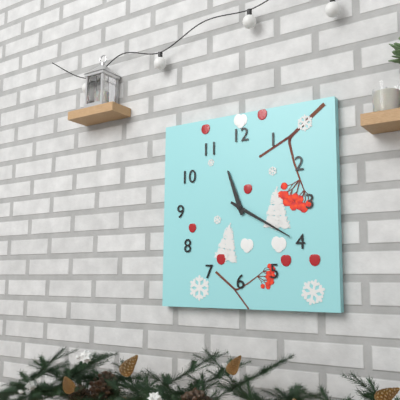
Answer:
{"hour": 11, "minute": 20}
